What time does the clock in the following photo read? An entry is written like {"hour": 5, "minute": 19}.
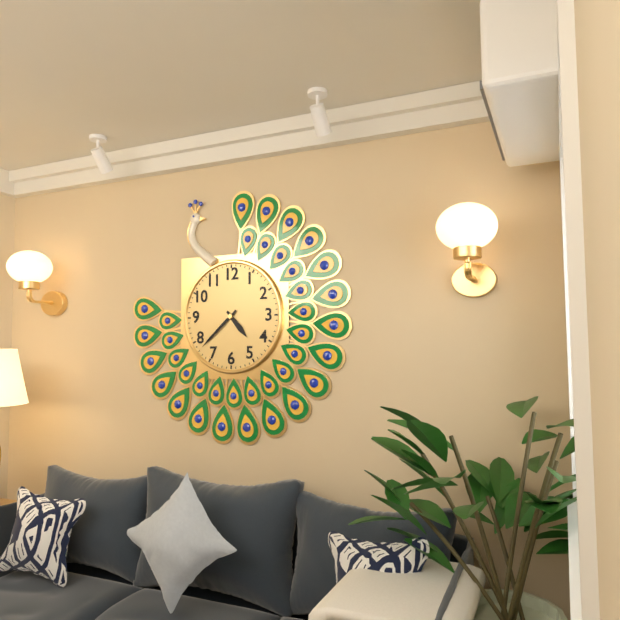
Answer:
{"hour": 4, "minute": 38}
